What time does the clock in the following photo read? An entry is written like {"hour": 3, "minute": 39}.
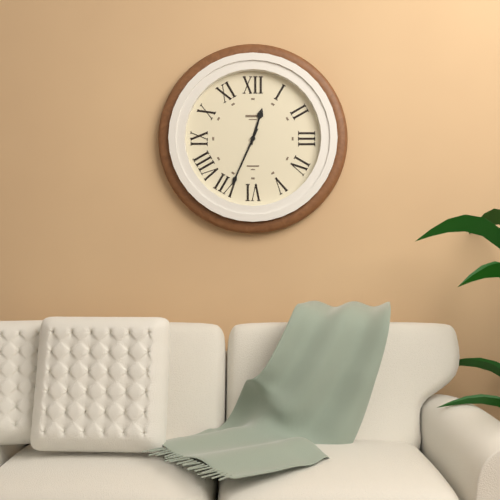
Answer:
{"hour": 12, "minute": 34}
